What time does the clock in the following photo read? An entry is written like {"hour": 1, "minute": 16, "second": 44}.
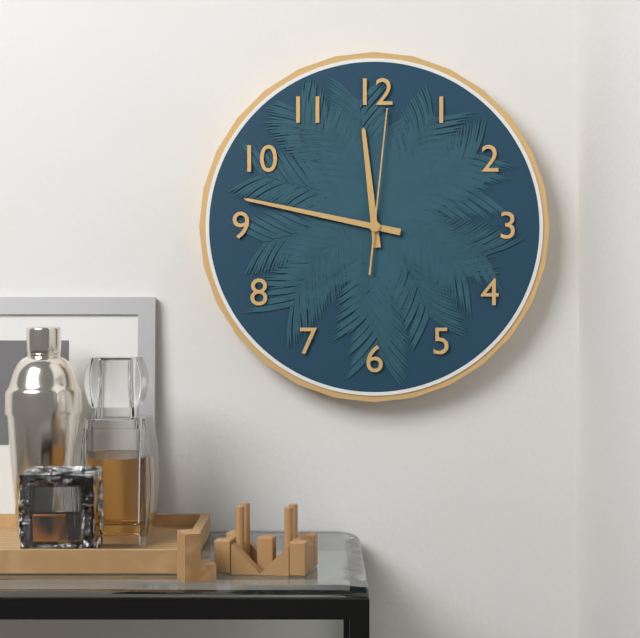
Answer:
{"hour": 11, "minute": 47, "second": 1}
